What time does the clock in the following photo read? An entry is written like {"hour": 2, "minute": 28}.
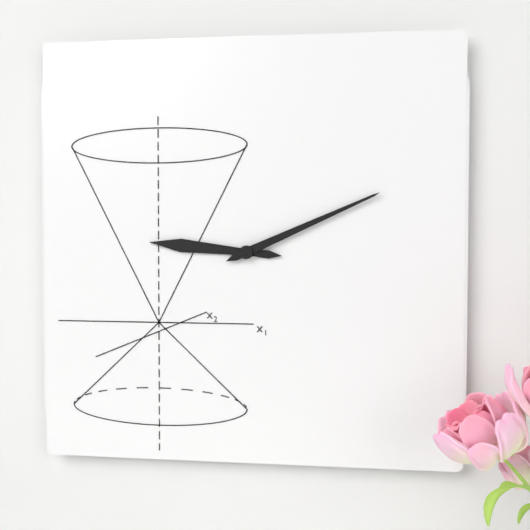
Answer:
{"hour": 9, "minute": 11}
